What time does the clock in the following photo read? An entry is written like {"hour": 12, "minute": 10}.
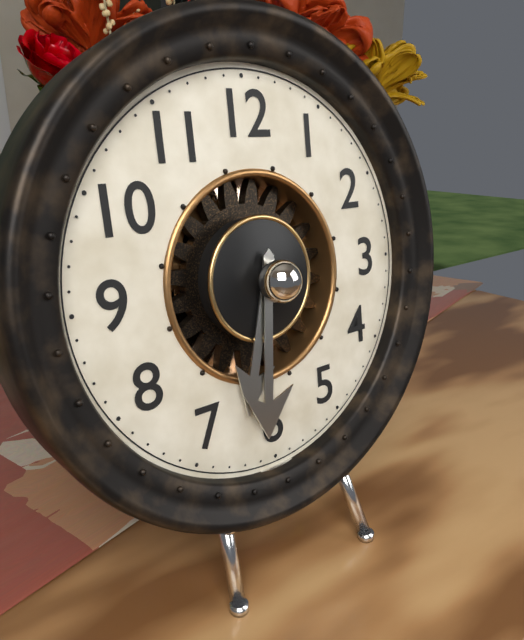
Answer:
{"hour": 6, "minute": 31}
